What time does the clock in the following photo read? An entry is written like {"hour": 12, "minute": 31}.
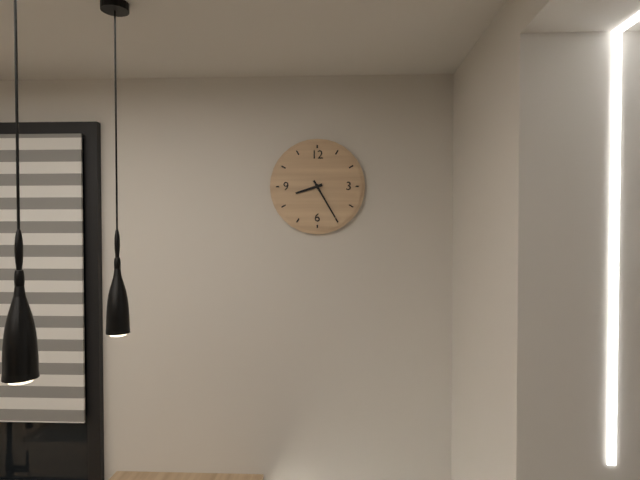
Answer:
{"hour": 8, "minute": 25}
